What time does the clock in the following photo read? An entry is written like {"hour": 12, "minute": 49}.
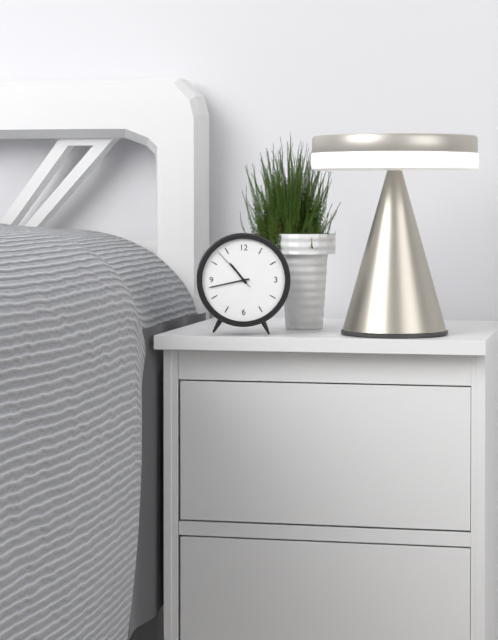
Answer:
{"hour": 10, "minute": 43}
